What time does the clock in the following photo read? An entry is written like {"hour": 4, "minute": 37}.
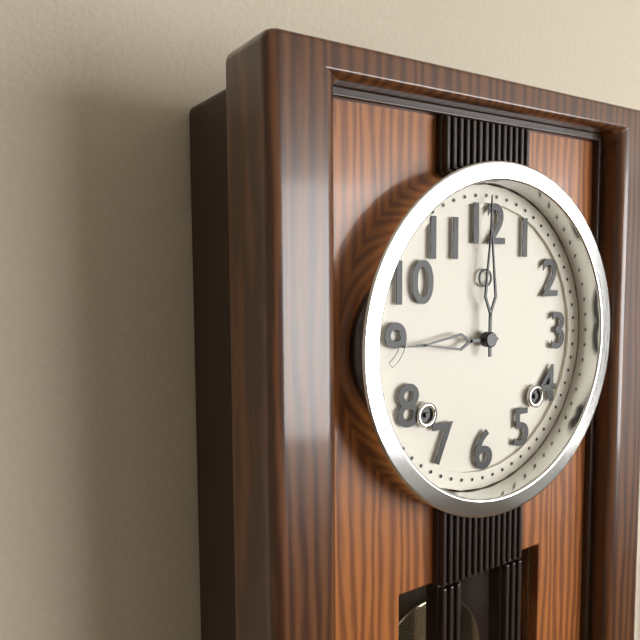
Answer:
{"hour": 9, "minute": 0}
